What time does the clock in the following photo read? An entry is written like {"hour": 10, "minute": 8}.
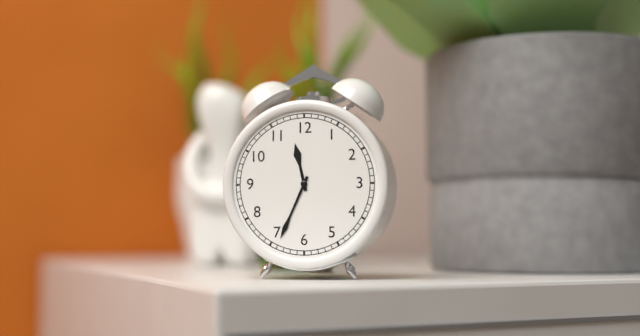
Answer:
{"hour": 11, "minute": 34}
